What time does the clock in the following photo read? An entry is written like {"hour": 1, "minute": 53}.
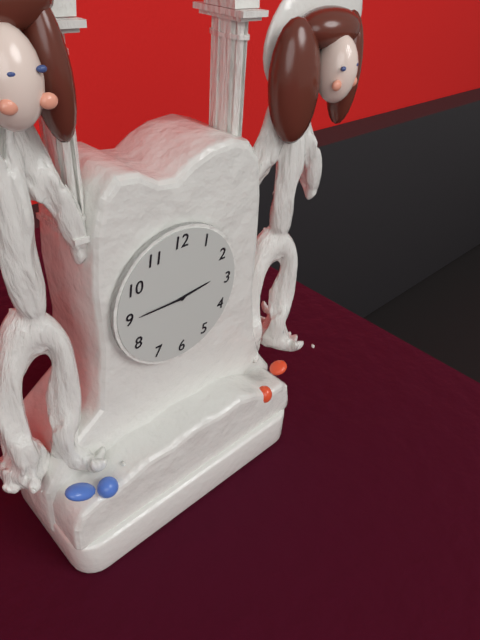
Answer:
{"hour": 2, "minute": 45}
